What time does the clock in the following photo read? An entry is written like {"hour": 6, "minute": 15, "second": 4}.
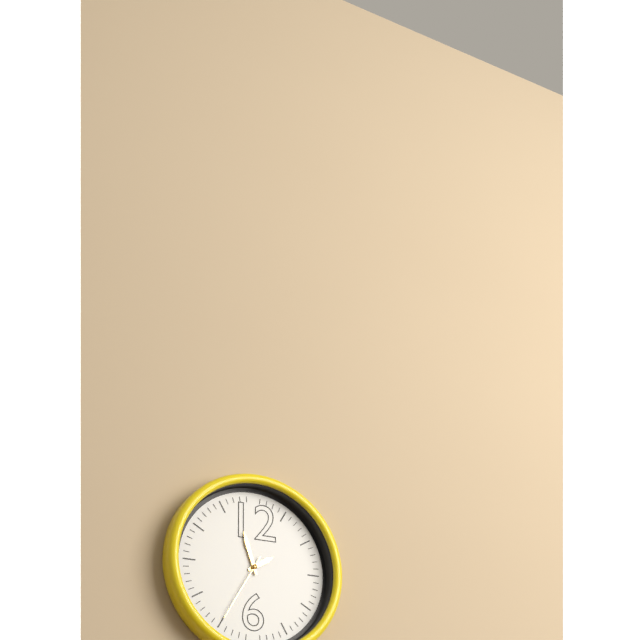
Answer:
{"hour": 1, "minute": 57, "second": 35}
